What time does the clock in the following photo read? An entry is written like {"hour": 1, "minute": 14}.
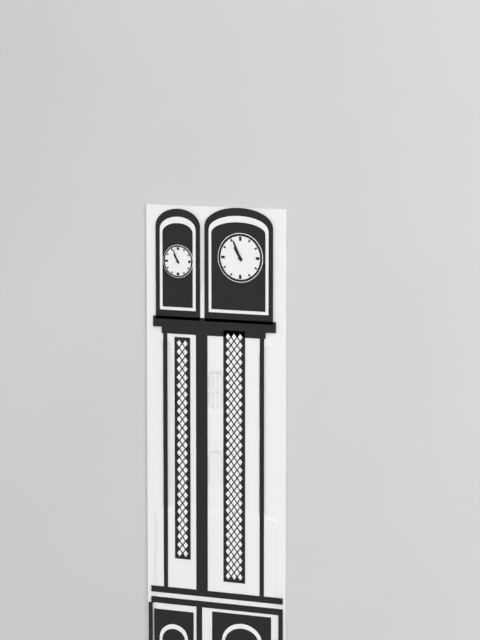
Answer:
{"hour": 10, "minute": 56}
